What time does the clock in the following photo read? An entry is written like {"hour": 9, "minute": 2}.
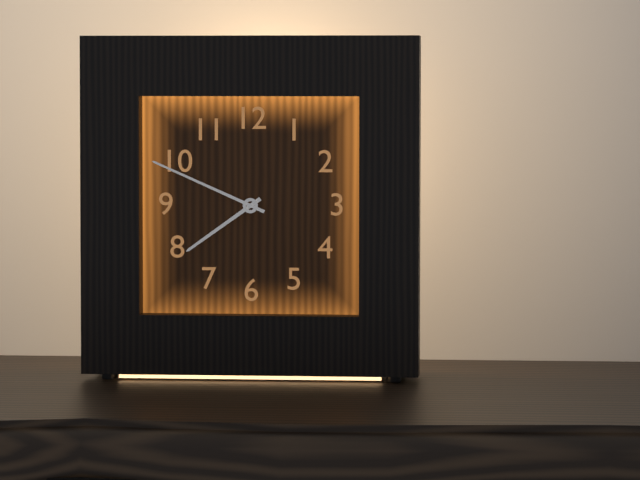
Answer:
{"hour": 7, "minute": 49}
